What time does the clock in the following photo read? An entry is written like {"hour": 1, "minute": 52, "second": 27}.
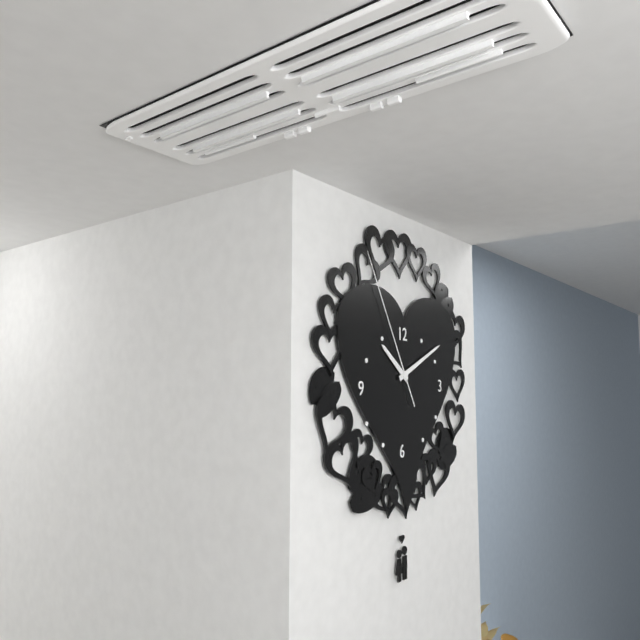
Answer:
{"hour": 10, "minute": 11, "second": 55}
